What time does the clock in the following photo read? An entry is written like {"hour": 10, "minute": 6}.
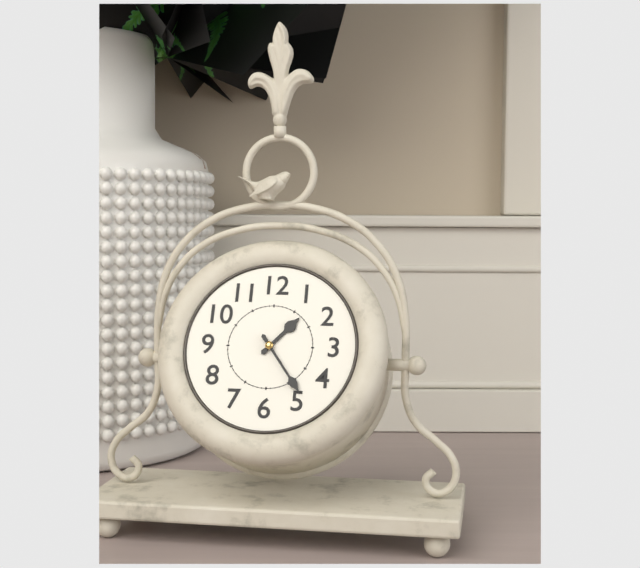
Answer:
{"hour": 1, "minute": 24}
